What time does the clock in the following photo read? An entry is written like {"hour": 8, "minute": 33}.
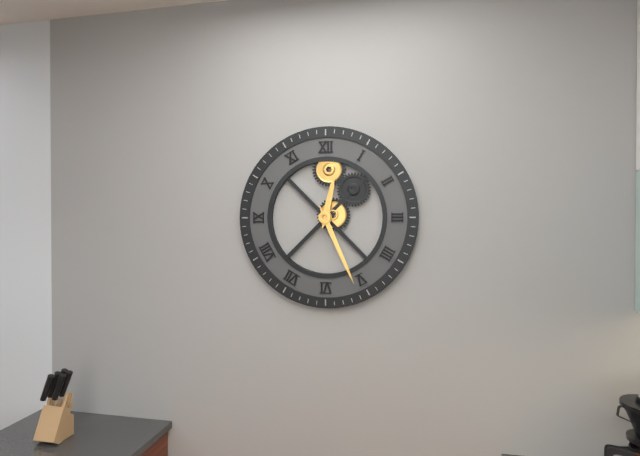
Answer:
{"hour": 12, "minute": 26}
